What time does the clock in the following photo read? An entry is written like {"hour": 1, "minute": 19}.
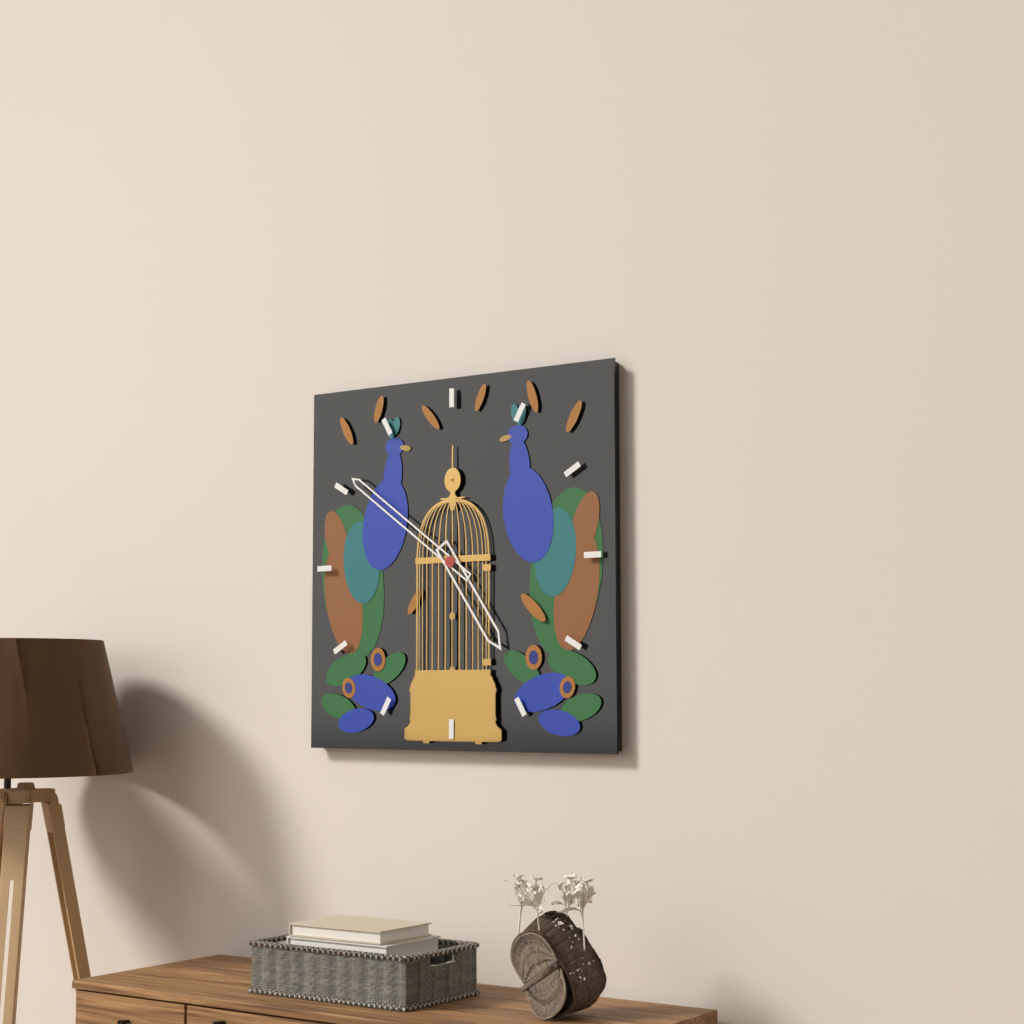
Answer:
{"hour": 4, "minute": 51}
